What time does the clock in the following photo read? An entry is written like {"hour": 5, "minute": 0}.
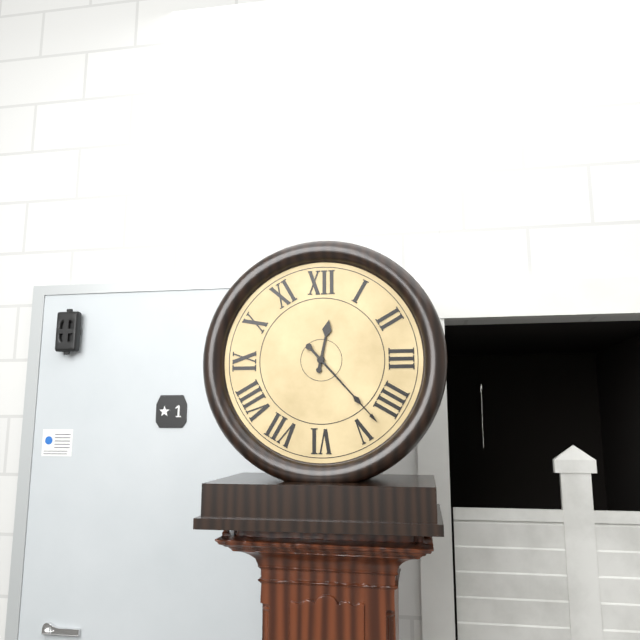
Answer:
{"hour": 12, "minute": 23}
